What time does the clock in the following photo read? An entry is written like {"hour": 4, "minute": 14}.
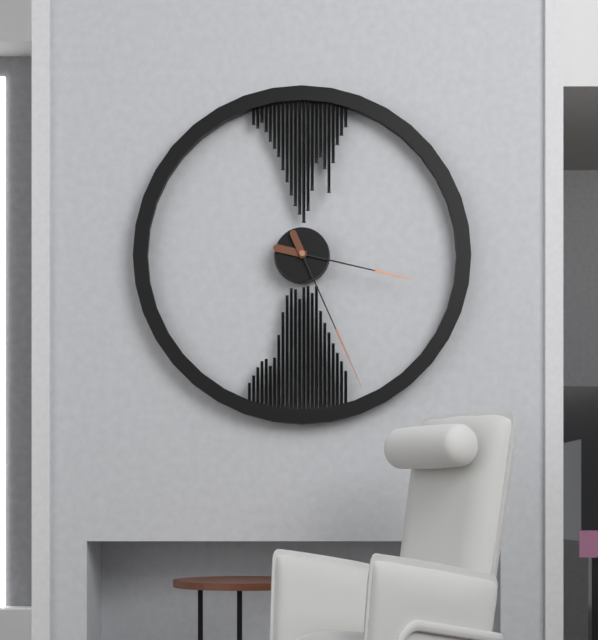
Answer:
{"hour": 3, "minute": 26}
